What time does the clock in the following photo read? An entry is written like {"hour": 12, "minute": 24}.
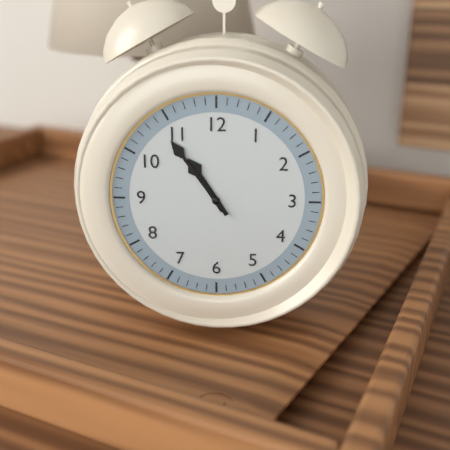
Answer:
{"hour": 10, "minute": 54}
